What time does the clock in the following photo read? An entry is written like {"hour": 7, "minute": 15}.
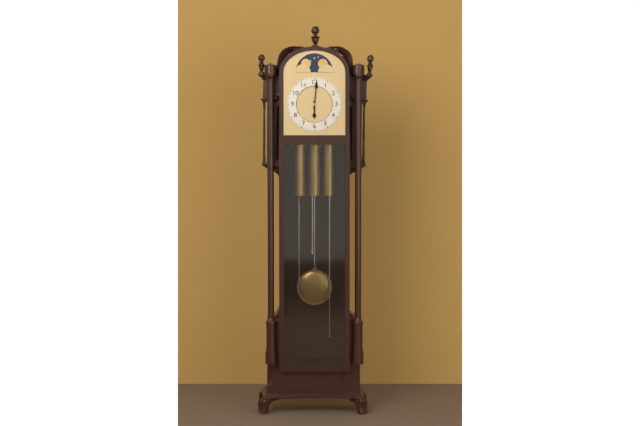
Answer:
{"hour": 6, "minute": 1}
